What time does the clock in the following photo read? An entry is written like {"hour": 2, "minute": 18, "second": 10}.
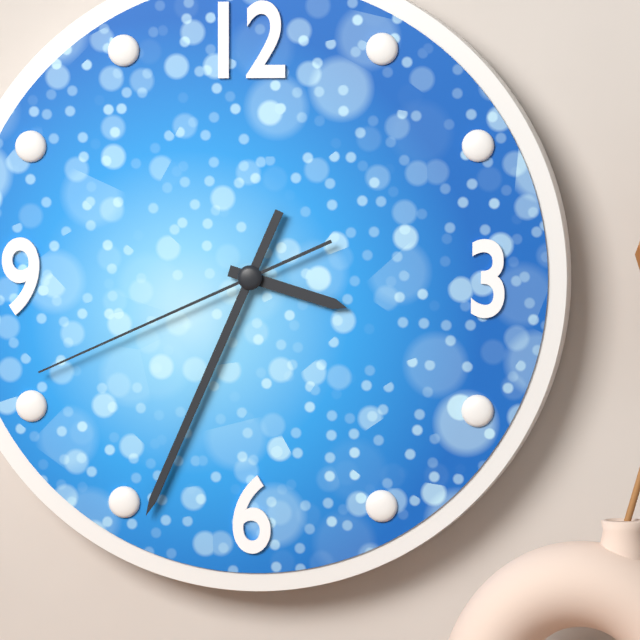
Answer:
{"hour": 3, "minute": 34, "second": 41}
